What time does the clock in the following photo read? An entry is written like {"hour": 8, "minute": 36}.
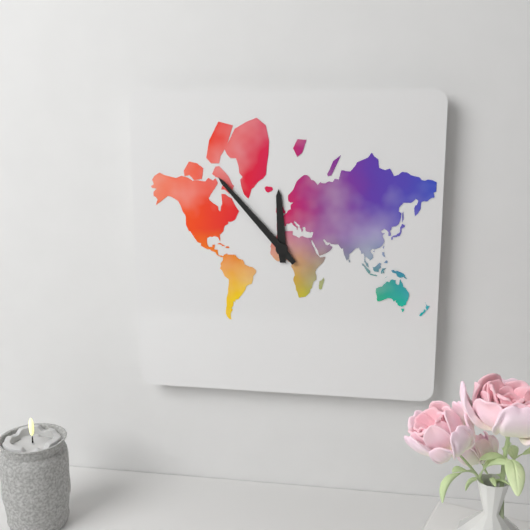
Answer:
{"hour": 11, "minute": 53}
